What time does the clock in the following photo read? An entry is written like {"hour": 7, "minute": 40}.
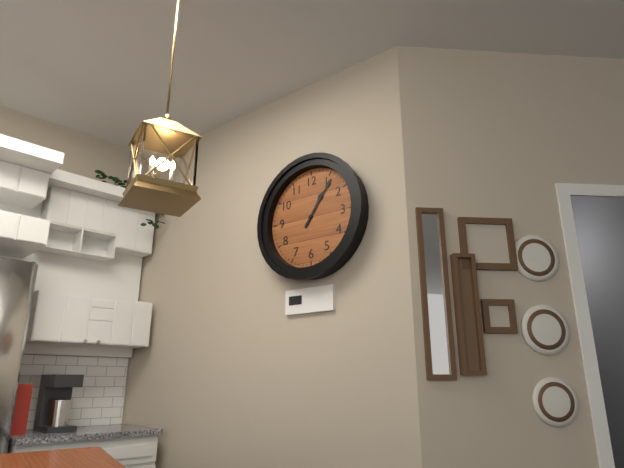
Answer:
{"hour": 1, "minute": 6}
